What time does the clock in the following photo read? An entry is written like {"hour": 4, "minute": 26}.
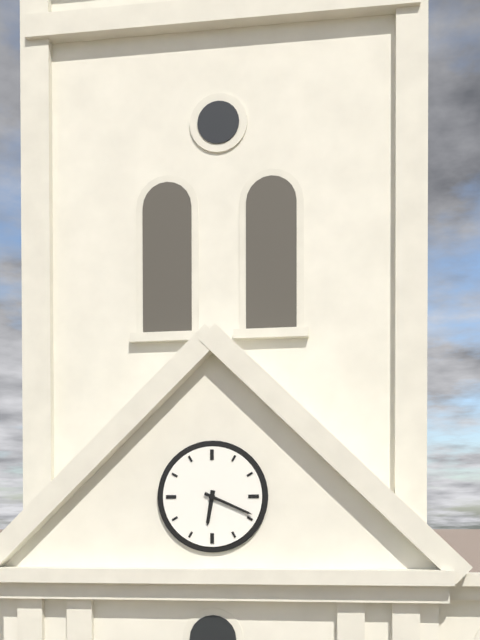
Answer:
{"hour": 6, "minute": 19}
